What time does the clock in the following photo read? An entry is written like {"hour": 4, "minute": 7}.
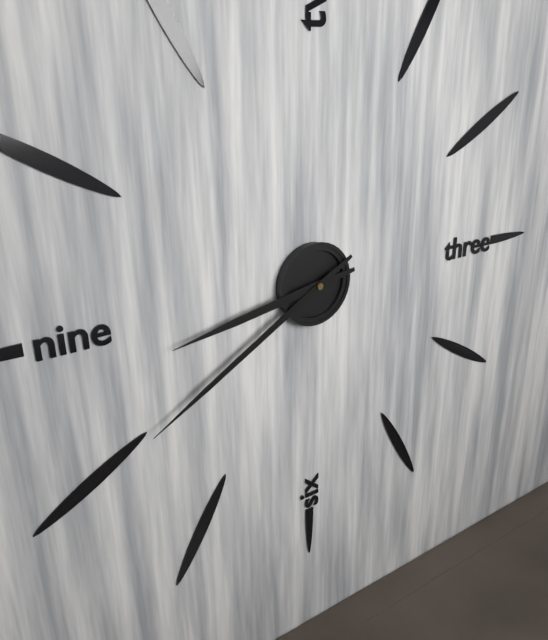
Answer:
{"hour": 8, "minute": 40}
